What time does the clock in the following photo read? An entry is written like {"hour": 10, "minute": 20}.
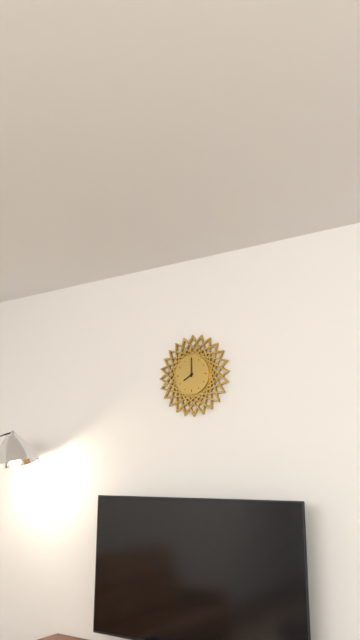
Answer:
{"hour": 8, "minute": 0}
